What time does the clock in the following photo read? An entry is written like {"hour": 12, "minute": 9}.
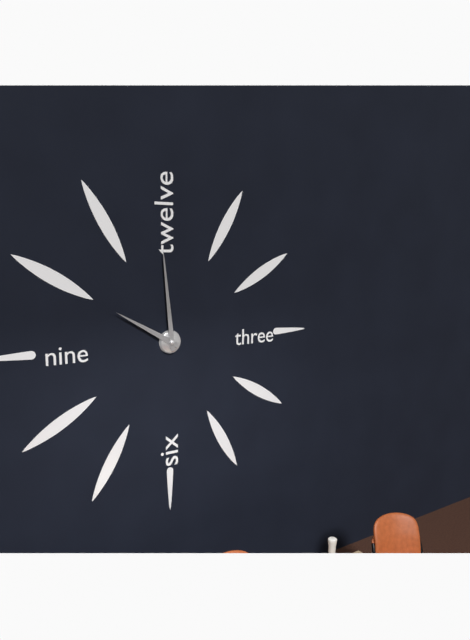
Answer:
{"hour": 9, "minute": 59}
